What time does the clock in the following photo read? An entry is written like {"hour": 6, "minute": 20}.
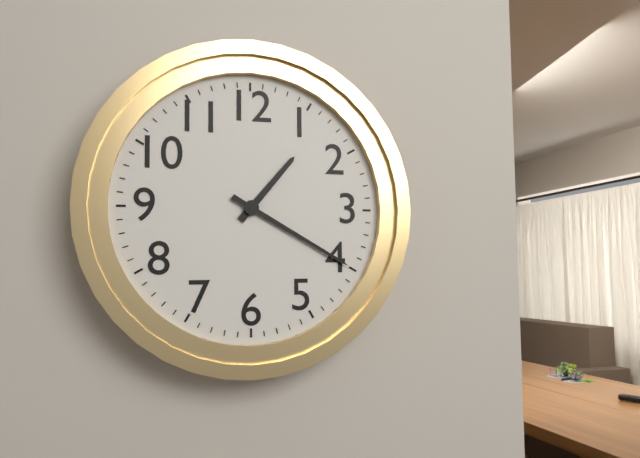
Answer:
{"hour": 1, "minute": 20}
